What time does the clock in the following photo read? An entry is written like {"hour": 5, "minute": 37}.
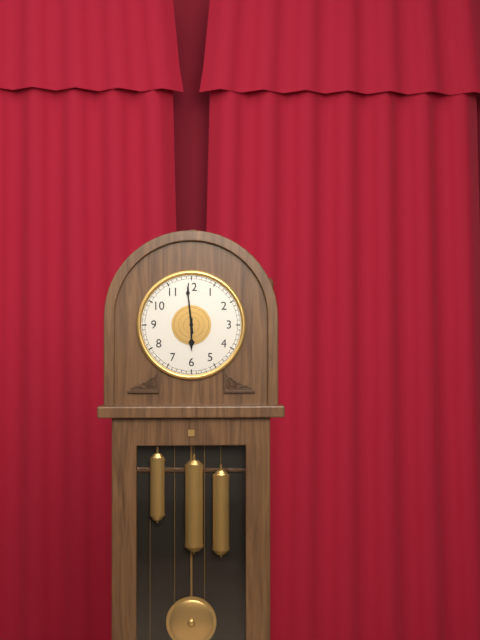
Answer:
{"hour": 5, "minute": 59}
